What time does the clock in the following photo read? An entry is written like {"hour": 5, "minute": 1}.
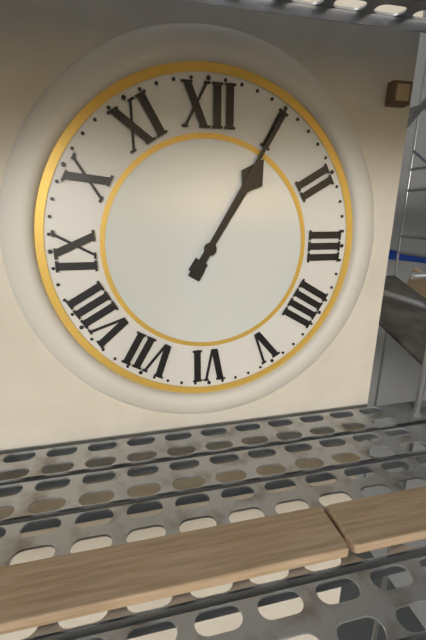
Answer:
{"hour": 1, "minute": 5}
